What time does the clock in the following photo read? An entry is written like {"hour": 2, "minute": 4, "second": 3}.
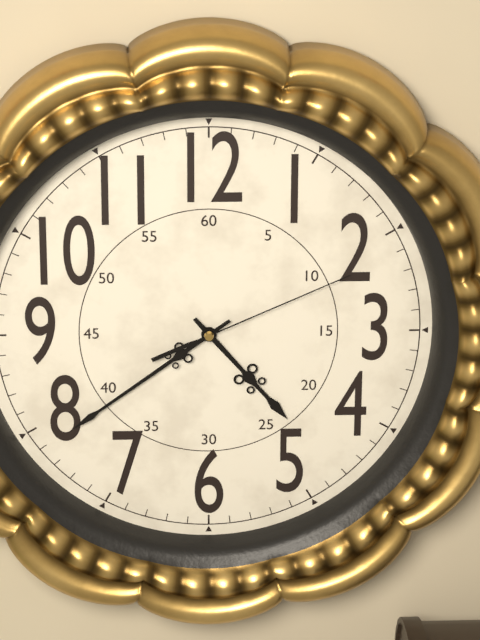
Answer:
{"hour": 4, "minute": 39, "second": 11}
